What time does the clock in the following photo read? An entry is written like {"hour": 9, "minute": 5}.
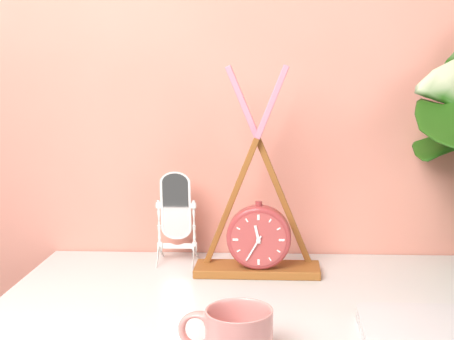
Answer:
{"hour": 11, "minute": 35}
